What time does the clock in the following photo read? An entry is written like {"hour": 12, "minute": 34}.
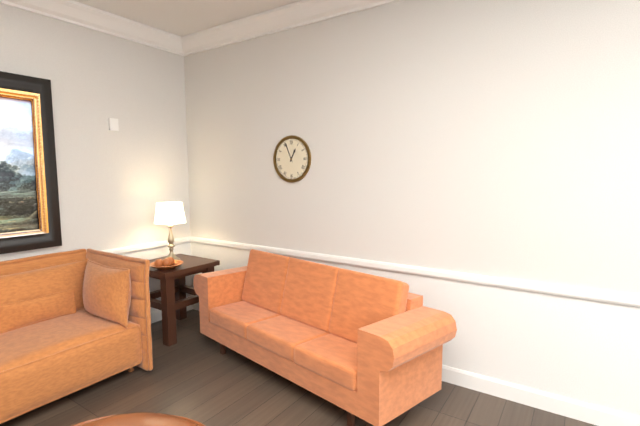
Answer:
{"hour": 12, "minute": 56}
